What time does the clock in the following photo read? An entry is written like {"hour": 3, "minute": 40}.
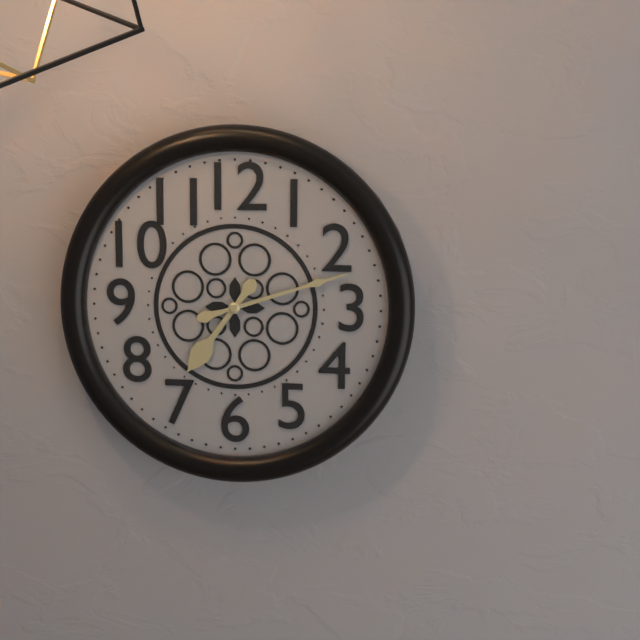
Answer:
{"hour": 7, "minute": 12}
